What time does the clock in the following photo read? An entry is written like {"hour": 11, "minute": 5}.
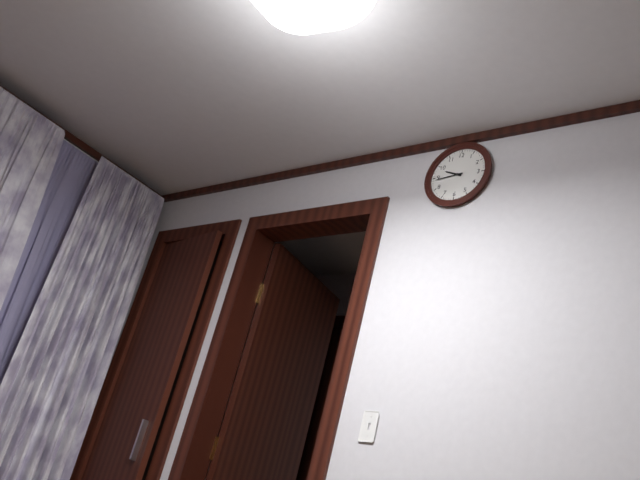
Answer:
{"hour": 9, "minute": 44}
